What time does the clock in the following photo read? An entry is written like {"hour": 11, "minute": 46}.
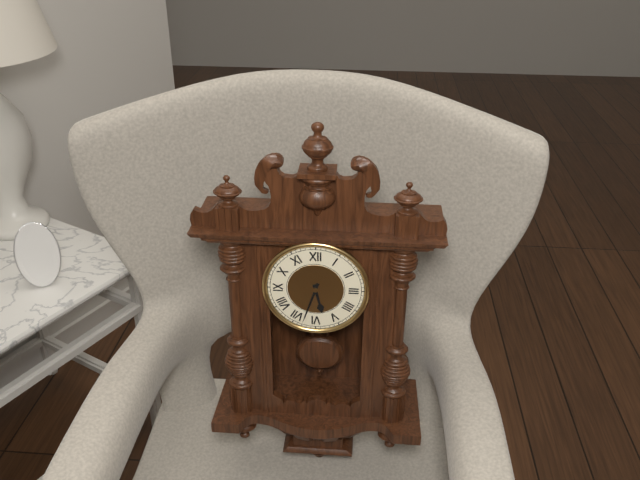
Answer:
{"hour": 5, "minute": 33}
